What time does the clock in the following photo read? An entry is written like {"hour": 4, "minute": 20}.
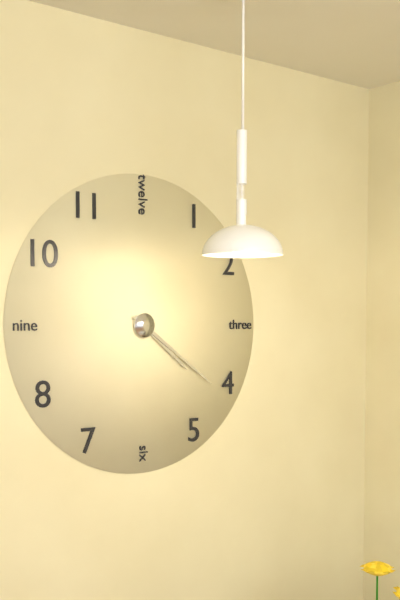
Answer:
{"hour": 4, "minute": 21}
